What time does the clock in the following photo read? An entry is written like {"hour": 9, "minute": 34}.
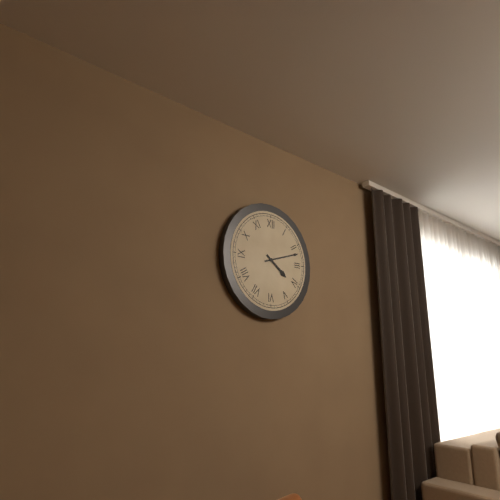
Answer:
{"hour": 4, "minute": 12}
